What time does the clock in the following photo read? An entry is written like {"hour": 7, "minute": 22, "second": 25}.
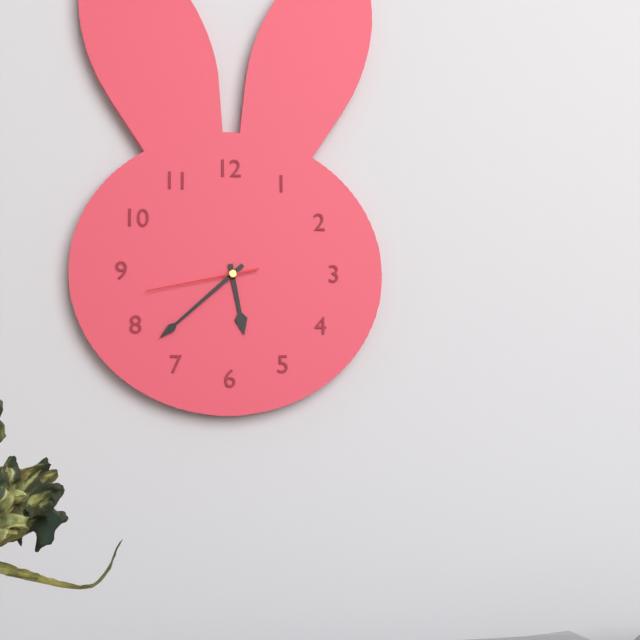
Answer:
{"hour": 5, "minute": 38, "second": 43}
